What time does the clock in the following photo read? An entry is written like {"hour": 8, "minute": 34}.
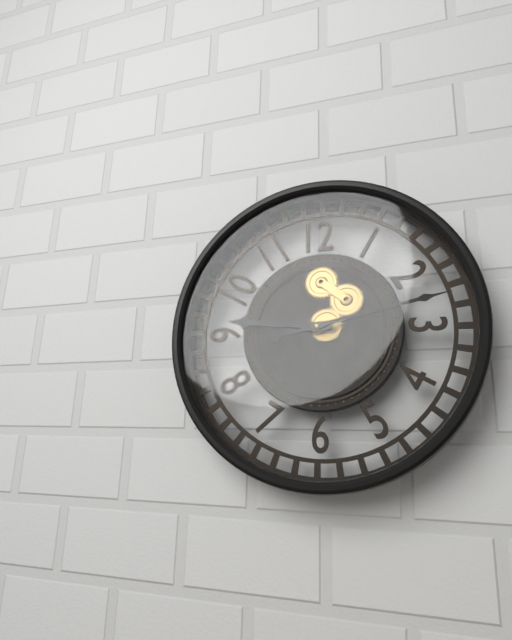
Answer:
{"hour": 9, "minute": 13}
